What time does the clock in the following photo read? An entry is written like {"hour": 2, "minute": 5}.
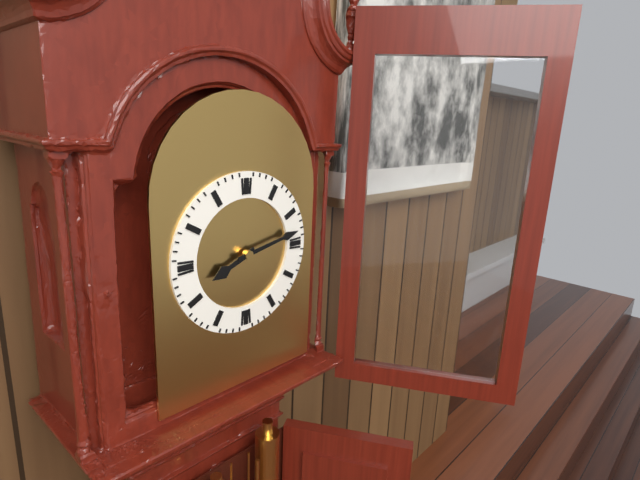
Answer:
{"hour": 8, "minute": 13}
